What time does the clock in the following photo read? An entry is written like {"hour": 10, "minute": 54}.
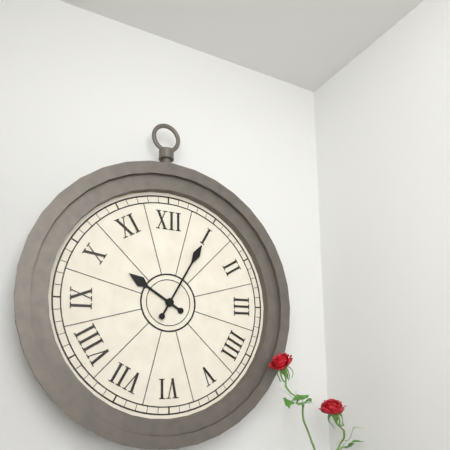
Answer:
{"hour": 10, "minute": 5}
